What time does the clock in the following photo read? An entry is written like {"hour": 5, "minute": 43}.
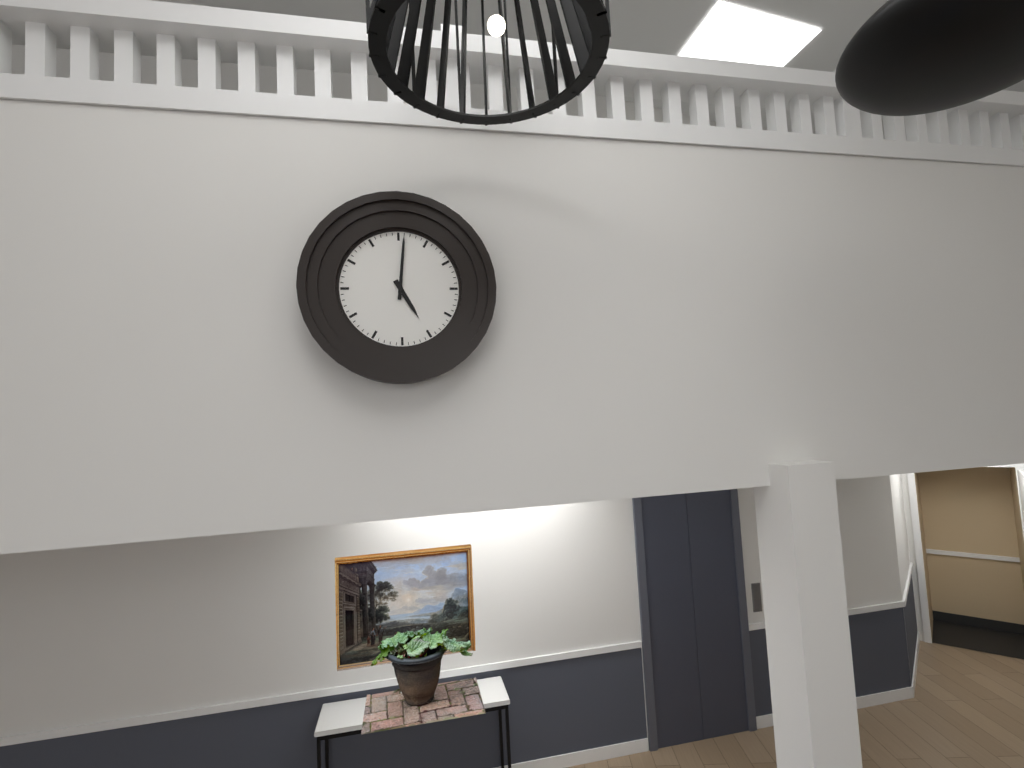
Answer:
{"hour": 5, "minute": 1}
